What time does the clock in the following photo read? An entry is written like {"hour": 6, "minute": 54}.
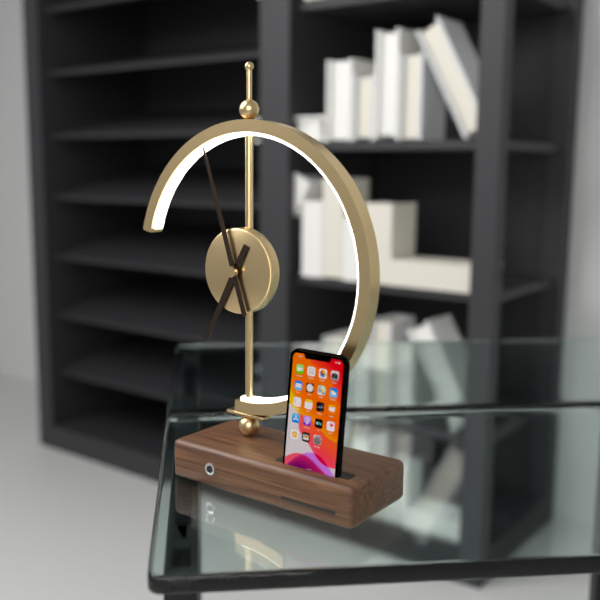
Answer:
{"hour": 6, "minute": 57}
